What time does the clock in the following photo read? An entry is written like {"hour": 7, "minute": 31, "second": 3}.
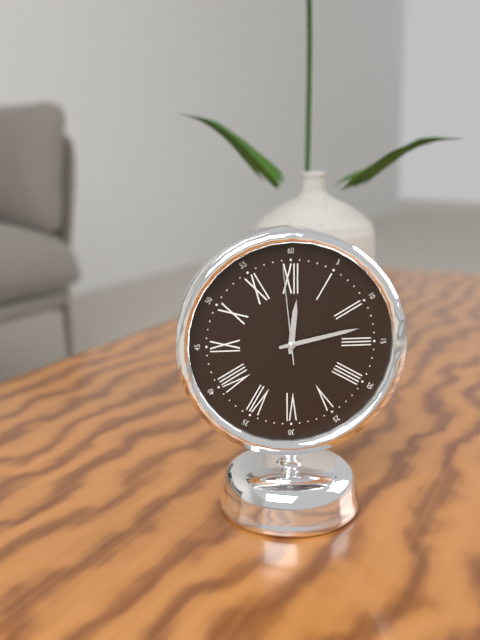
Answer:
{"hour": 12, "minute": 13, "second": 59}
